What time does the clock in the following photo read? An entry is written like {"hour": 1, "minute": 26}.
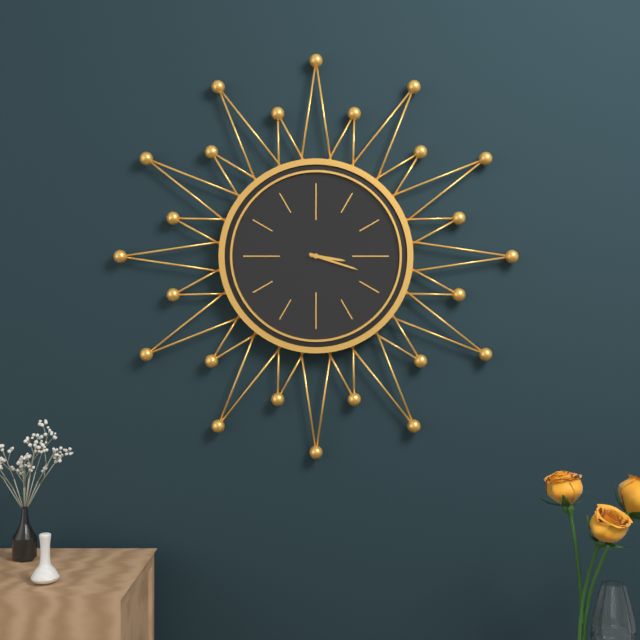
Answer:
{"hour": 3, "minute": 18}
